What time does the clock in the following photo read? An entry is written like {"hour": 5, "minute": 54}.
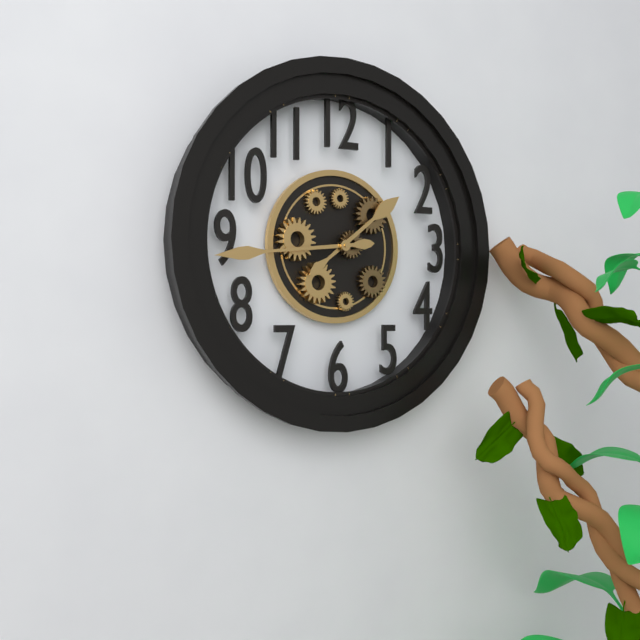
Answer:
{"hour": 1, "minute": 44}
